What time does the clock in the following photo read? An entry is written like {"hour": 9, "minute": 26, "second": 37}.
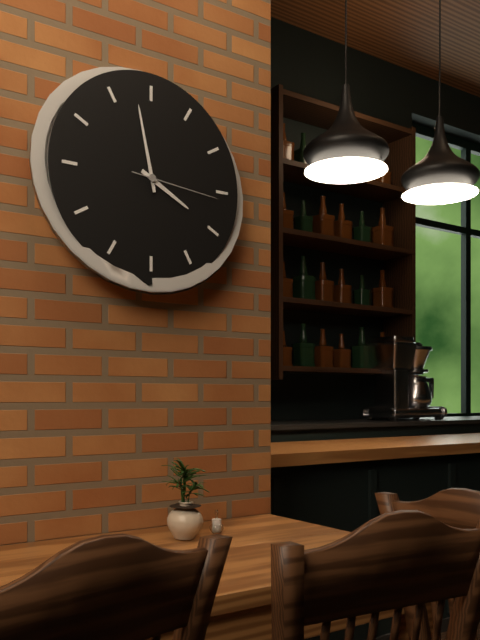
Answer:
{"hour": 3, "minute": 58, "second": 16}
